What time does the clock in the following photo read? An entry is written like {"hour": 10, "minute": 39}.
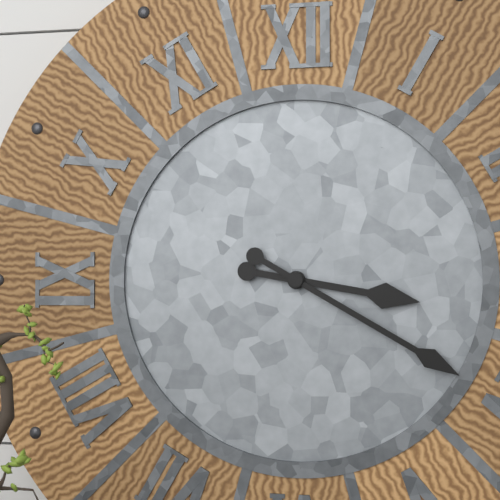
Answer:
{"hour": 3, "minute": 20}
